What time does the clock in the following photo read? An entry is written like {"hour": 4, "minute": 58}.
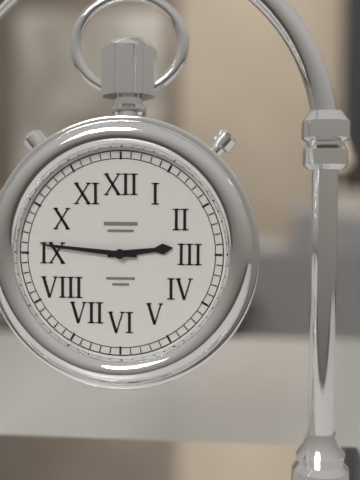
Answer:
{"hour": 2, "minute": 46}
